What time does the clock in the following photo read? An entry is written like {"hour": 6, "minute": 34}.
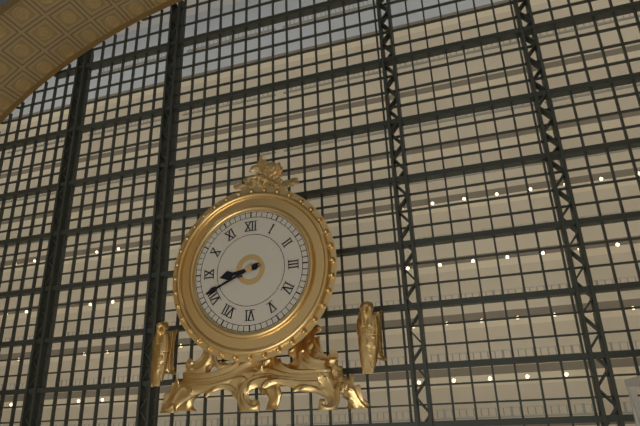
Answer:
{"hour": 8, "minute": 41}
